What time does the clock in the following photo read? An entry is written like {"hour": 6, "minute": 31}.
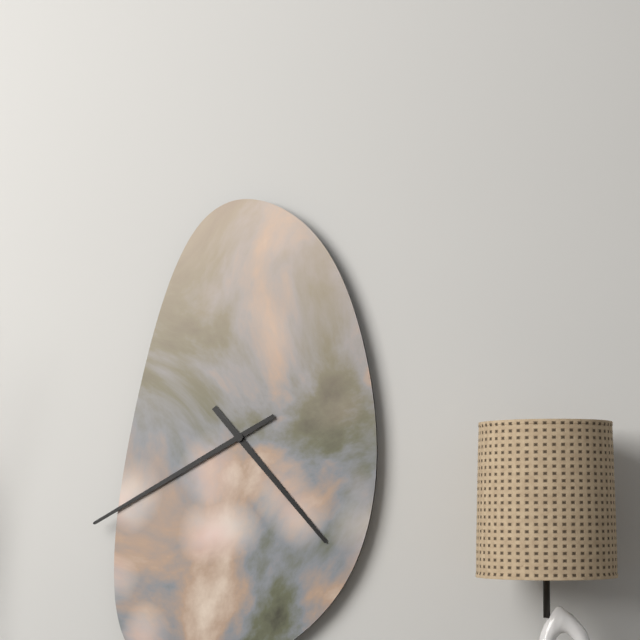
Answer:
{"hour": 4, "minute": 40}
